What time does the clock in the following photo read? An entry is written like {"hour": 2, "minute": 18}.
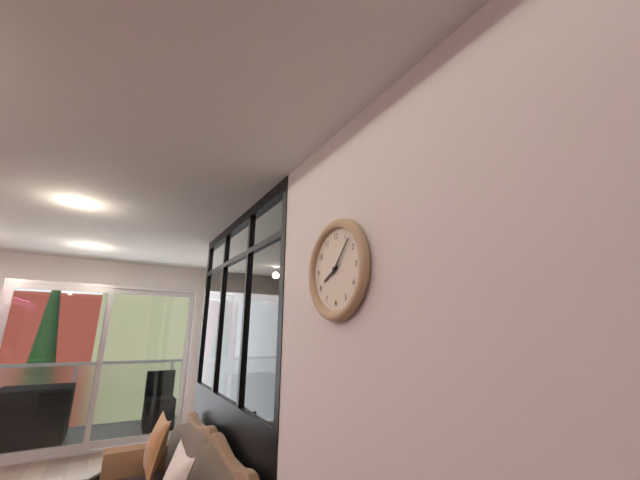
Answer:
{"hour": 8, "minute": 7}
